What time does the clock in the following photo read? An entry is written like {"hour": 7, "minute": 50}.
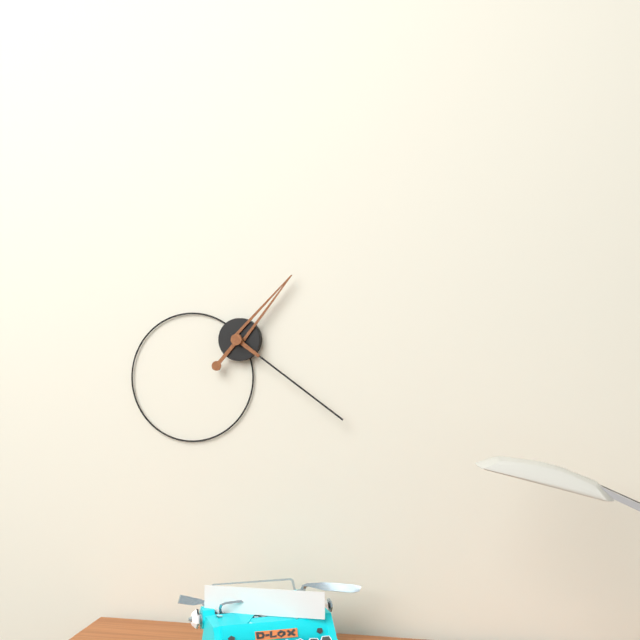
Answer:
{"hour": 1, "minute": 21}
